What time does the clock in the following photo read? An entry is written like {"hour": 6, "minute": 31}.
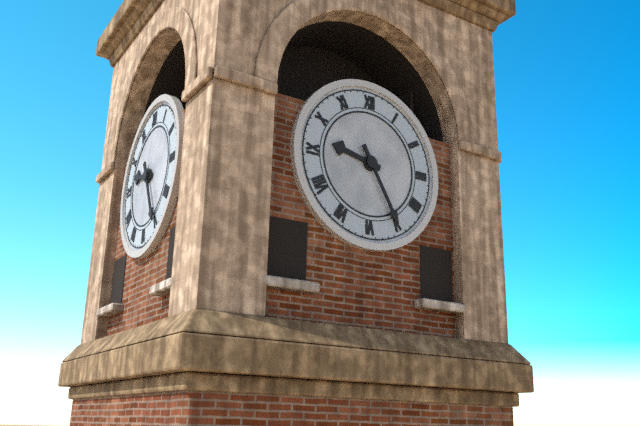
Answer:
{"hour": 9, "minute": 25}
